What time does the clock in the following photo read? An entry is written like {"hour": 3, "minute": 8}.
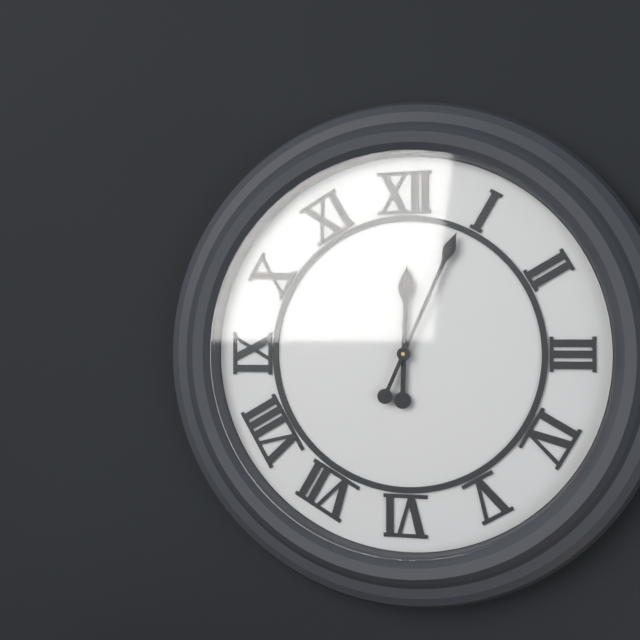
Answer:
{"hour": 12, "minute": 4}
